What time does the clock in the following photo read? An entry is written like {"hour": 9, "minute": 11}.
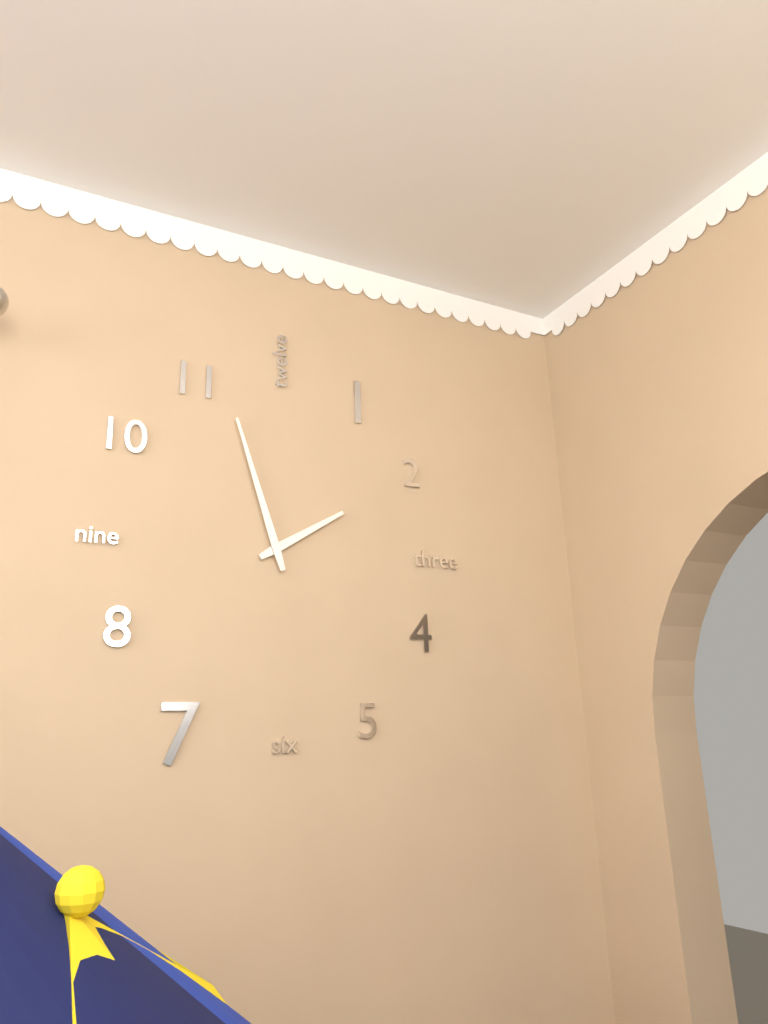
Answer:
{"hour": 1, "minute": 57}
